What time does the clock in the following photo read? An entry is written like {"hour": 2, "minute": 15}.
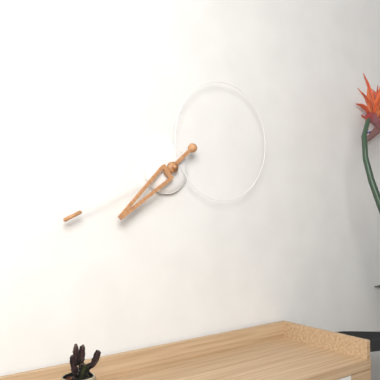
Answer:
{"hour": 7, "minute": 41}
